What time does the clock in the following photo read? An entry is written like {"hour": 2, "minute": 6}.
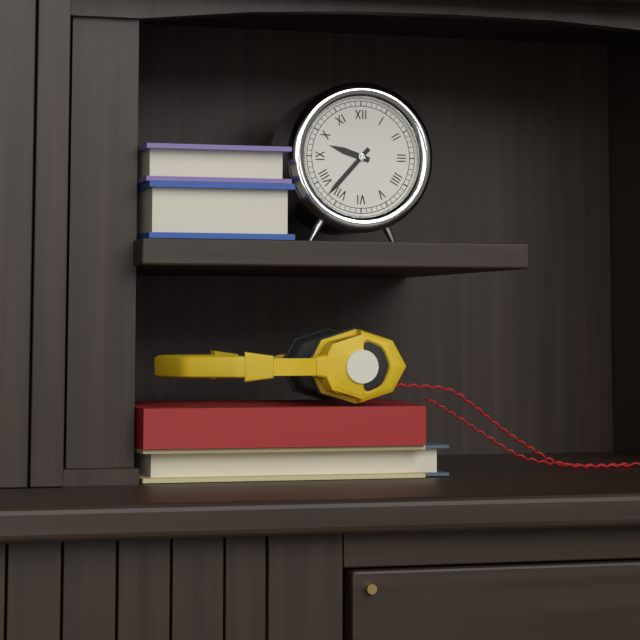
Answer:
{"hour": 9, "minute": 37}
